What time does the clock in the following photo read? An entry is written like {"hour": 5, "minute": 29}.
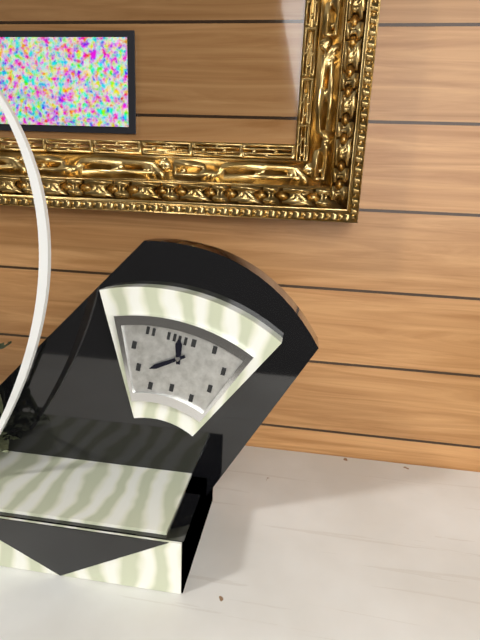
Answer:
{"hour": 11, "minute": 39}
